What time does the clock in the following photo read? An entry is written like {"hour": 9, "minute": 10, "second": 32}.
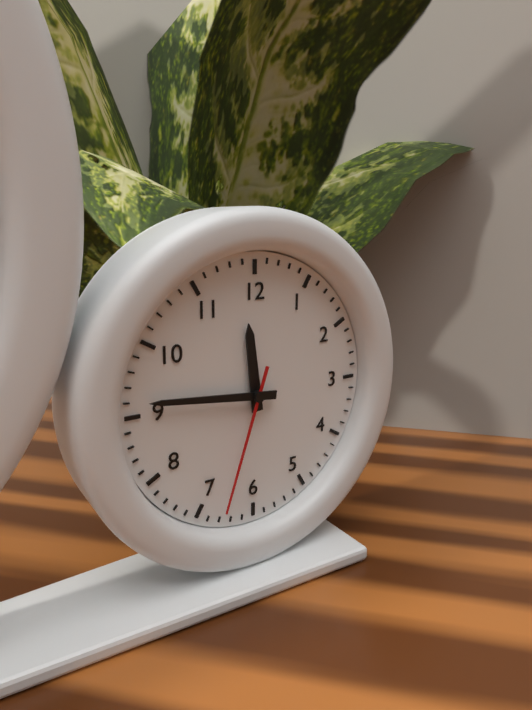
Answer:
{"hour": 11, "minute": 46, "second": 33}
